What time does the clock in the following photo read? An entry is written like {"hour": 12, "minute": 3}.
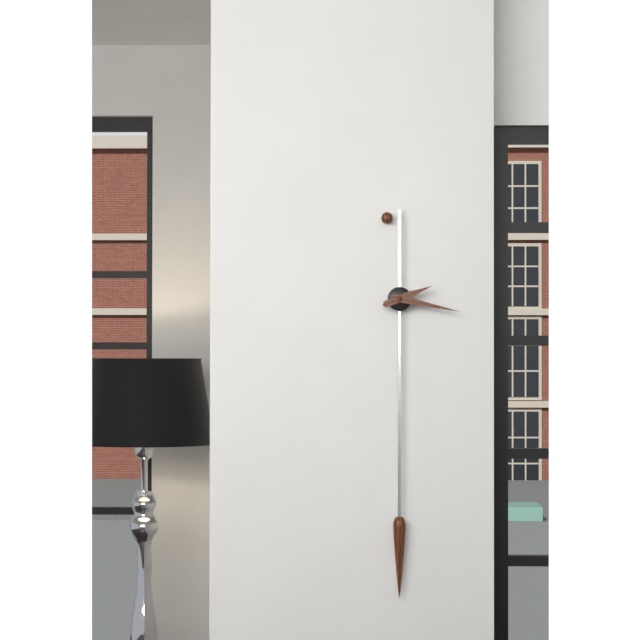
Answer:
{"hour": 2, "minute": 17}
